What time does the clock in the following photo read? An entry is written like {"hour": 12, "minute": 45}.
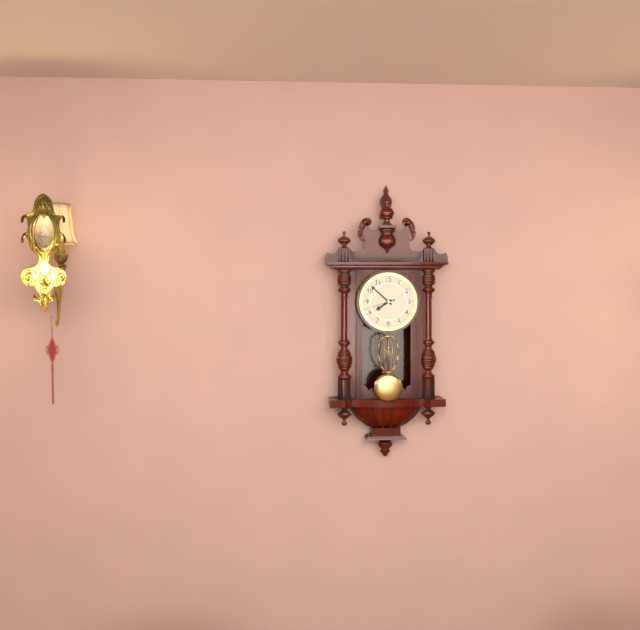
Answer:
{"hour": 7, "minute": 52}
